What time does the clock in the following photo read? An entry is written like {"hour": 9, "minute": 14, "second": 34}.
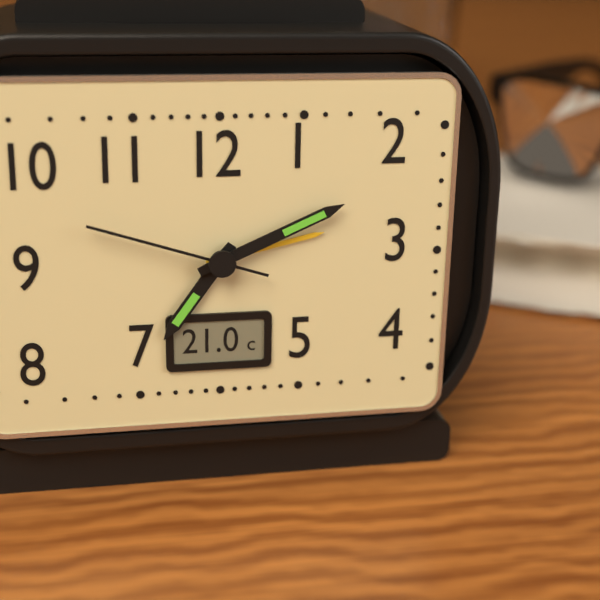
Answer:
{"hour": 7, "minute": 11, "second": 48}
